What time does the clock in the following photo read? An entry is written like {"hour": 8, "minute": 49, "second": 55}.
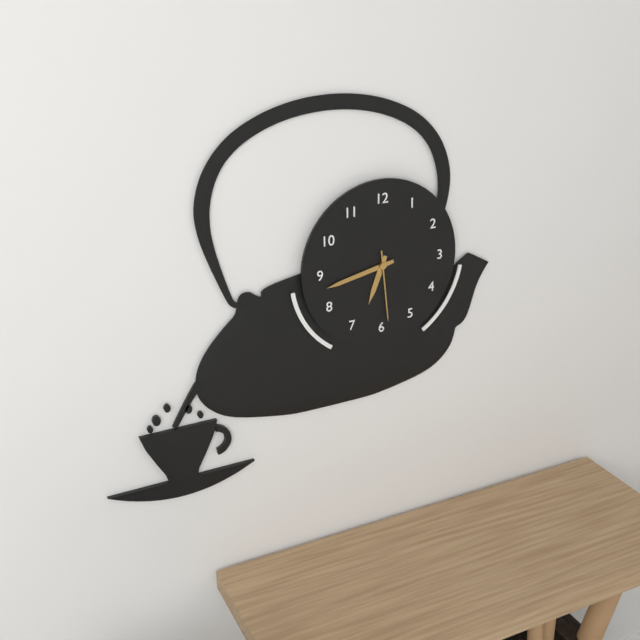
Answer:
{"hour": 6, "minute": 43, "second": 29}
